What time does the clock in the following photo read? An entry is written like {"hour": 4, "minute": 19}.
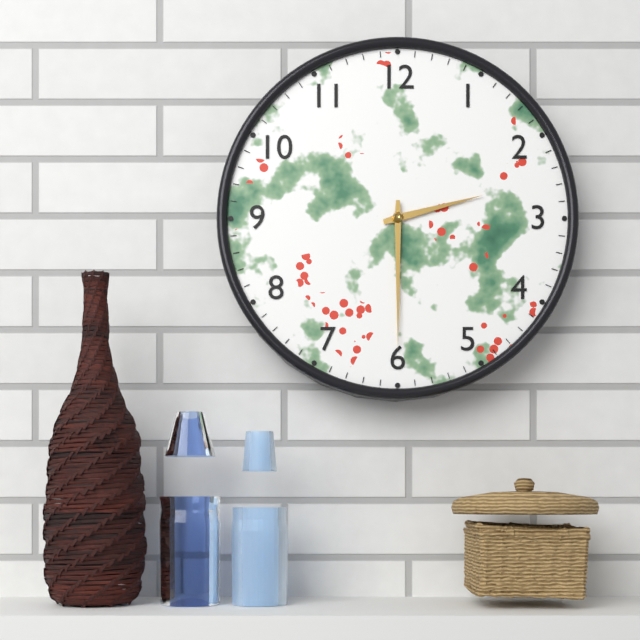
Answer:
{"hour": 2, "minute": 30}
